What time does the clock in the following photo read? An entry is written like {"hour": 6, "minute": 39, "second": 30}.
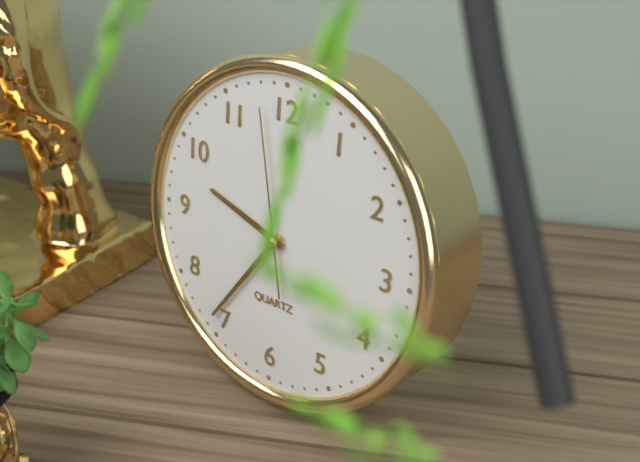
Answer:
{"hour": 9, "minute": 36, "second": 58}
